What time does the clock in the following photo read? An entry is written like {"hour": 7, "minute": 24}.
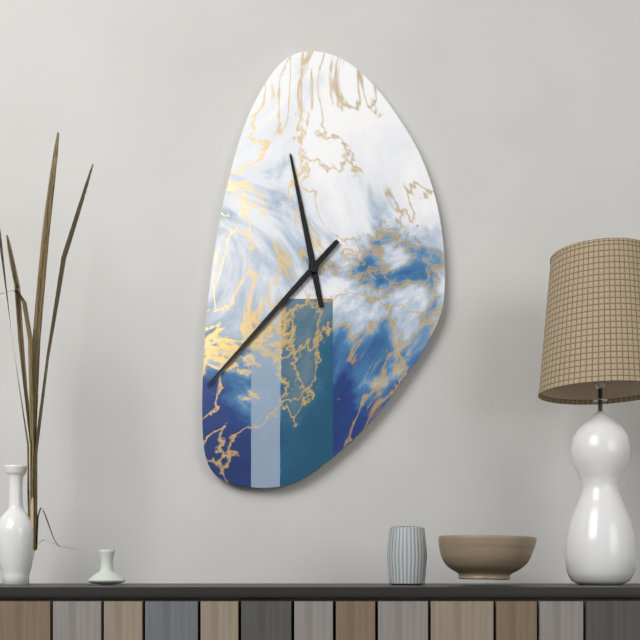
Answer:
{"hour": 11, "minute": 37}
